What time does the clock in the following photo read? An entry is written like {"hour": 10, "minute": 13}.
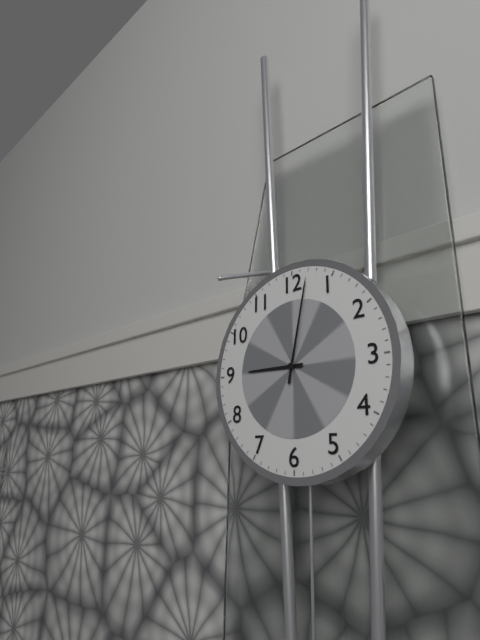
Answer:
{"hour": 9, "minute": 2}
